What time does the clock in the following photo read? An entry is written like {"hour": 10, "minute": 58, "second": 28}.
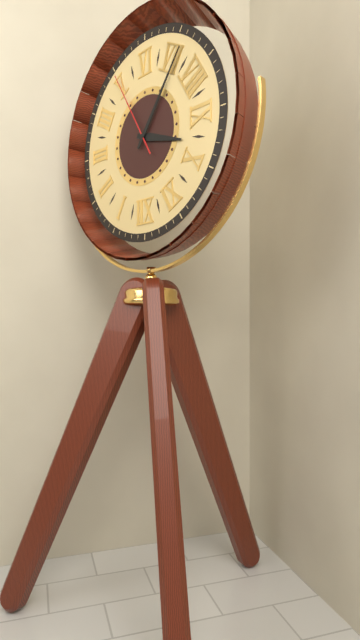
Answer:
{"hour": 9, "minute": 36, "second": 25}
